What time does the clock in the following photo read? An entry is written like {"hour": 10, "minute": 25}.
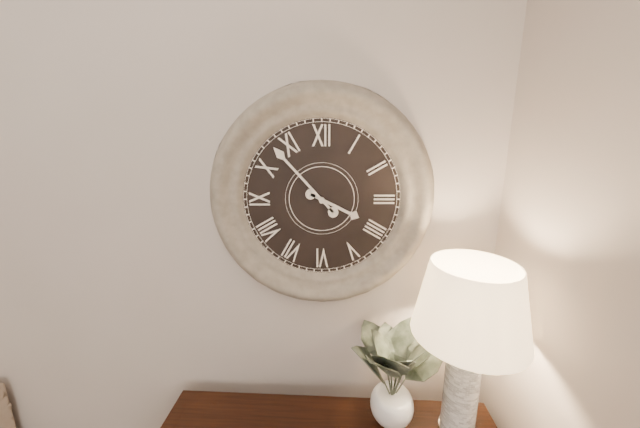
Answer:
{"hour": 3, "minute": 53}
